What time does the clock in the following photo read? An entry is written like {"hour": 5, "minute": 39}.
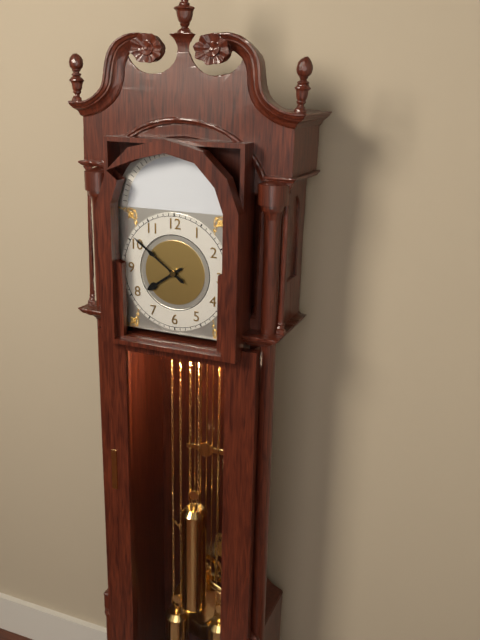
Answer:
{"hour": 7, "minute": 51}
